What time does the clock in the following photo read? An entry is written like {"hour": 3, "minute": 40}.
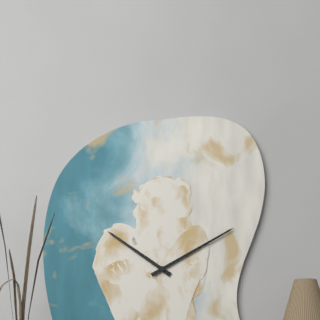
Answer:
{"hour": 10, "minute": 10}
